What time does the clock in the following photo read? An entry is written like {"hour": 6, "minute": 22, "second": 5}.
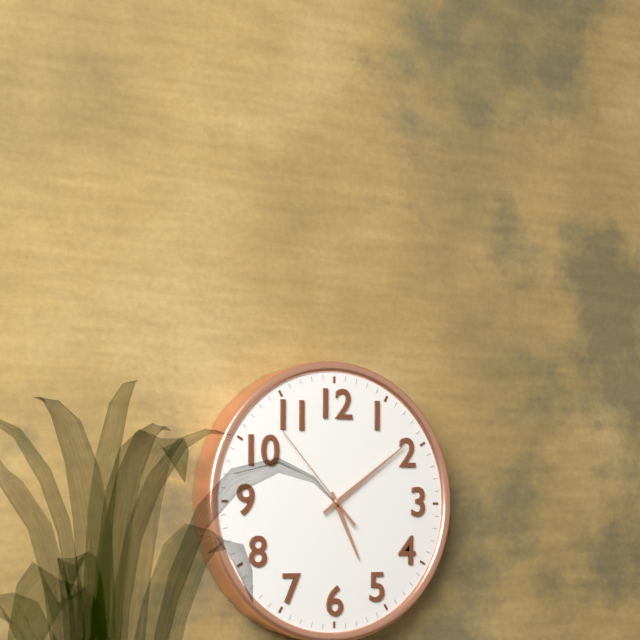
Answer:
{"hour": 5, "minute": 9, "second": 53}
